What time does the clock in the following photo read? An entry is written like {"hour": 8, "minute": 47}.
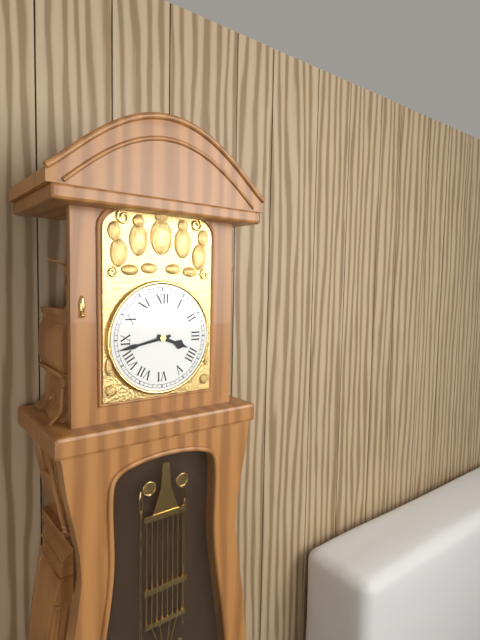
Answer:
{"hour": 3, "minute": 43}
